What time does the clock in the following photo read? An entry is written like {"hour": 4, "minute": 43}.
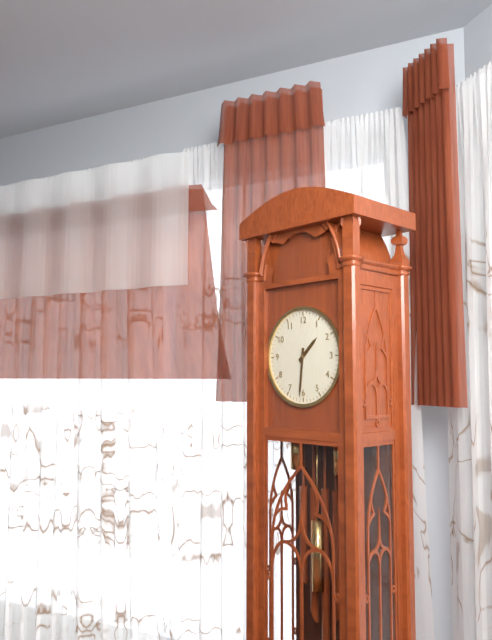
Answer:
{"hour": 1, "minute": 31}
